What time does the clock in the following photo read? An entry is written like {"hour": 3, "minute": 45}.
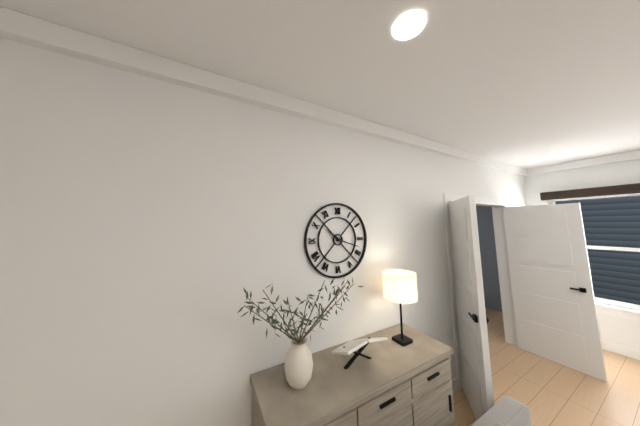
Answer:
{"hour": 10, "minute": 18}
